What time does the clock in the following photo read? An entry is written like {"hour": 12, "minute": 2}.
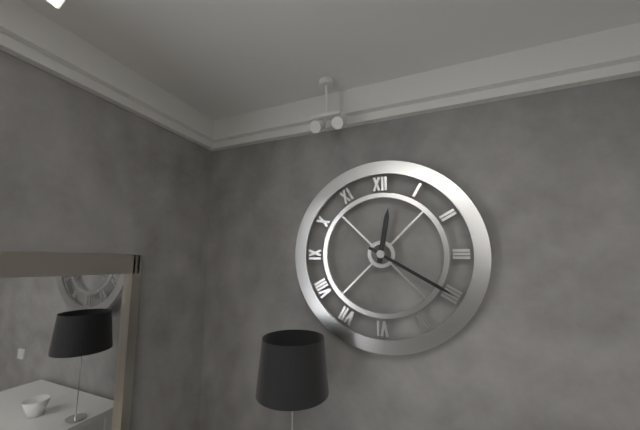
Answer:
{"hour": 12, "minute": 20}
